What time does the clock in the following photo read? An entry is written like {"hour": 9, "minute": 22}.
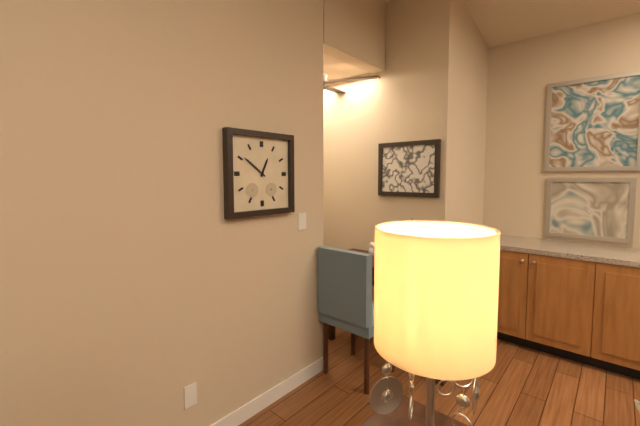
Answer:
{"hour": 12, "minute": 51}
